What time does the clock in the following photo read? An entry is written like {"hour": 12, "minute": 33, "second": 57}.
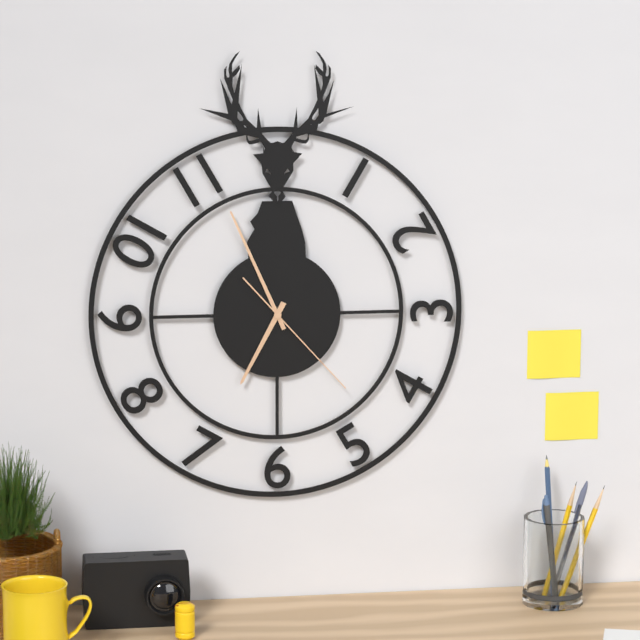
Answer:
{"hour": 6, "minute": 56, "second": 23}
